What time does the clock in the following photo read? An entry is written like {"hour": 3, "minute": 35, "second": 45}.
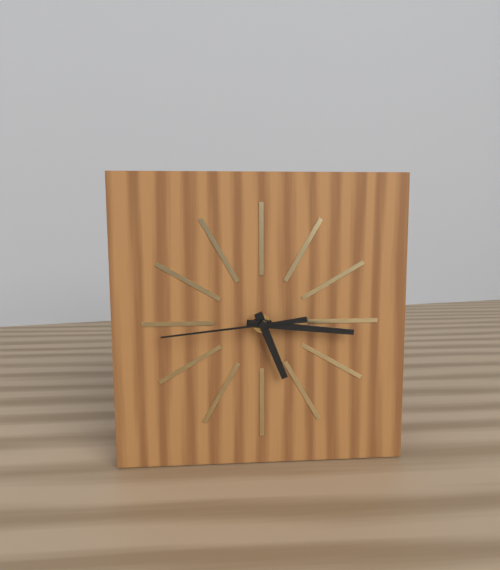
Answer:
{"hour": 5, "minute": 16, "second": 44}
